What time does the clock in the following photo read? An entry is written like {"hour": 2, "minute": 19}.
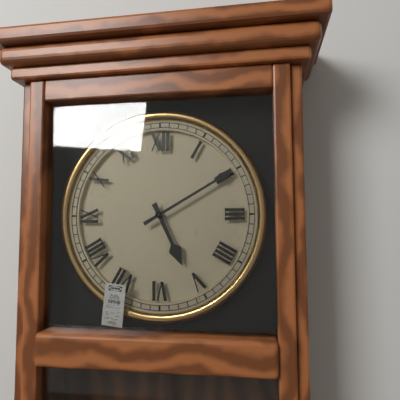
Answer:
{"hour": 5, "minute": 10}
